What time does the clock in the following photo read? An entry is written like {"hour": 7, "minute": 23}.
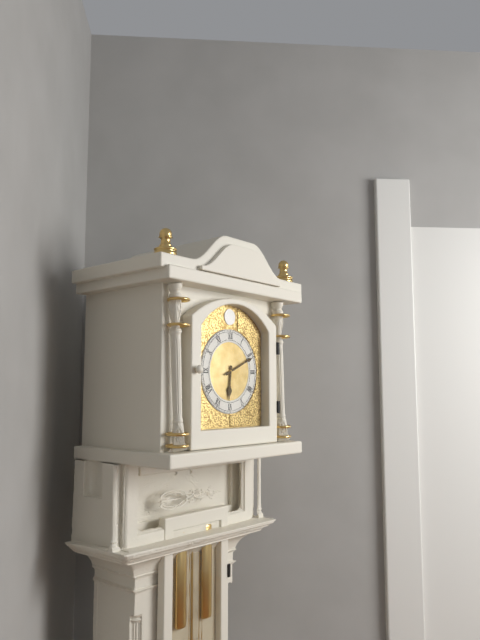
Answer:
{"hour": 6, "minute": 11}
